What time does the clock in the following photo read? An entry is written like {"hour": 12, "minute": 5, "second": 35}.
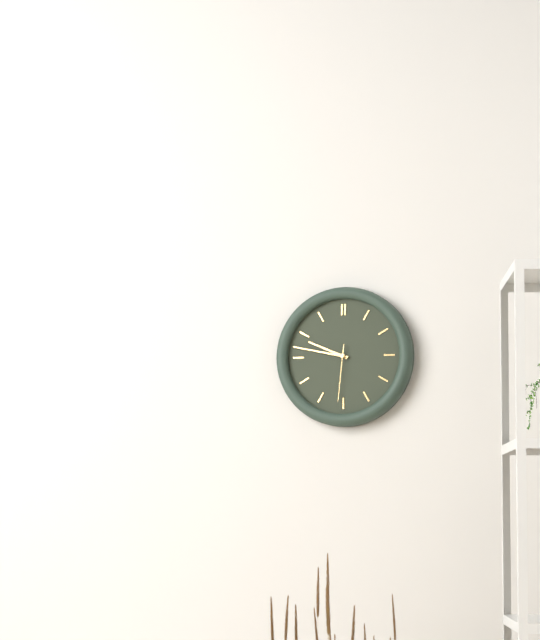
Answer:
{"hour": 9, "minute": 47, "second": 31}
